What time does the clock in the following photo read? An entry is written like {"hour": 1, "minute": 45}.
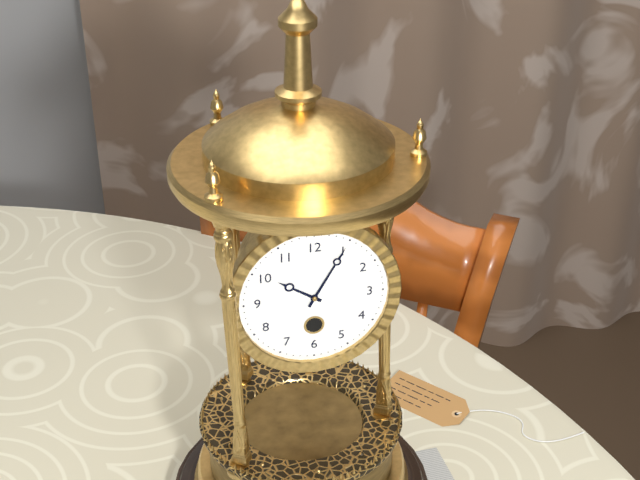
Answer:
{"hour": 10, "minute": 5}
